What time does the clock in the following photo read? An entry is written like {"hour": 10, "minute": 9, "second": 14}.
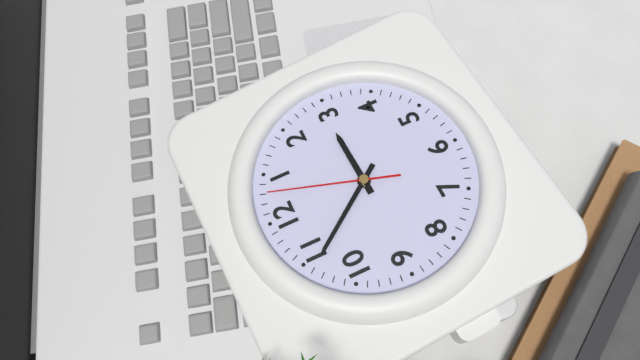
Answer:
{"hour": 2, "minute": 54, "second": 3}
